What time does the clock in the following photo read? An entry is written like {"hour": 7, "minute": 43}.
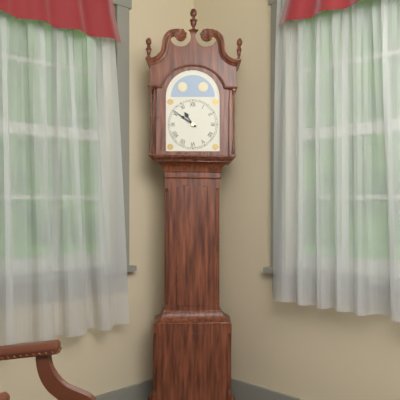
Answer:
{"hour": 10, "minute": 51}
